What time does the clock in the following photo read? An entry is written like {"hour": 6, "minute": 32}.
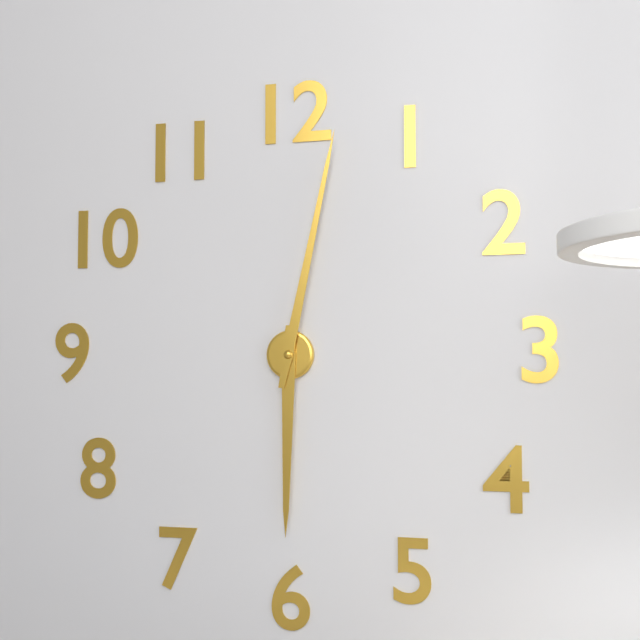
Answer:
{"hour": 6, "minute": 2}
